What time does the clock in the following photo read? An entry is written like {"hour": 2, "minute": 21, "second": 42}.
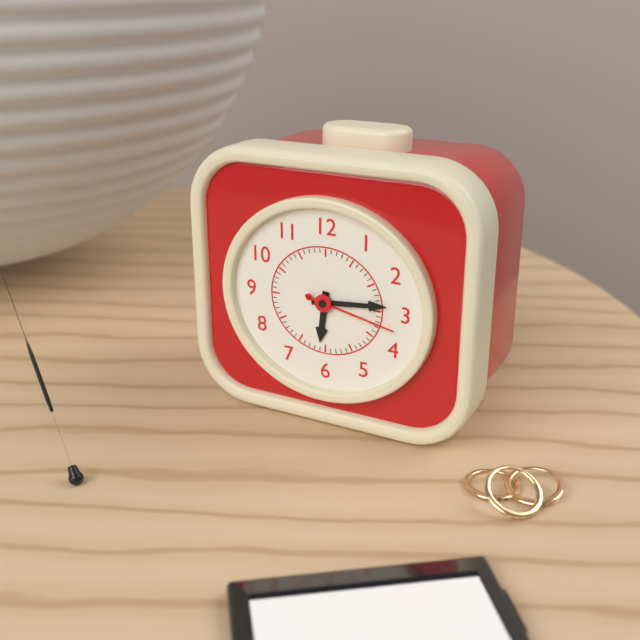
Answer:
{"hour": 6, "minute": 14, "second": 17}
